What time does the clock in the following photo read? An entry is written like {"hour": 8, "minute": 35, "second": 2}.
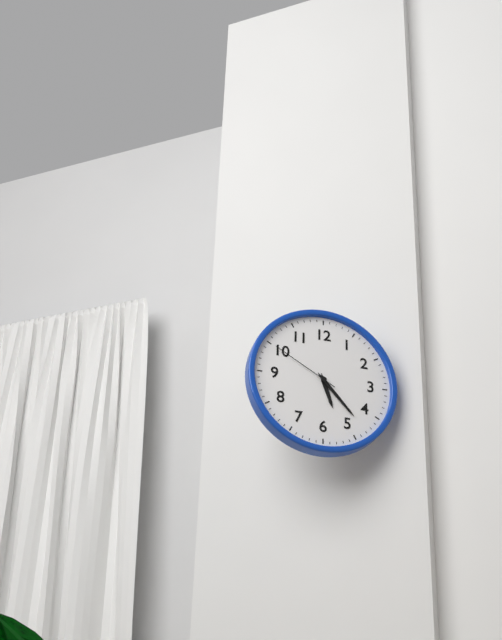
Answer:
{"hour": 5, "minute": 23, "second": 50}
